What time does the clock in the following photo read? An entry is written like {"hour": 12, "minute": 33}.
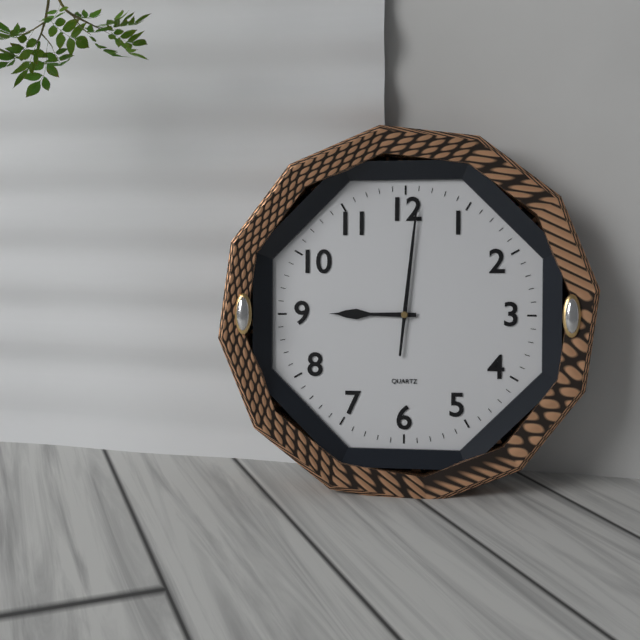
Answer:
{"hour": 9, "minute": 1}
